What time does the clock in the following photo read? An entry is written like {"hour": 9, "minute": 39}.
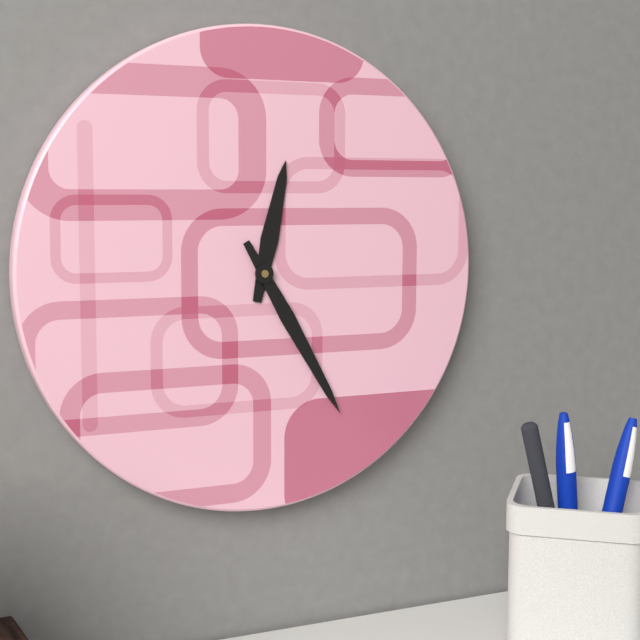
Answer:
{"hour": 12, "minute": 25}
